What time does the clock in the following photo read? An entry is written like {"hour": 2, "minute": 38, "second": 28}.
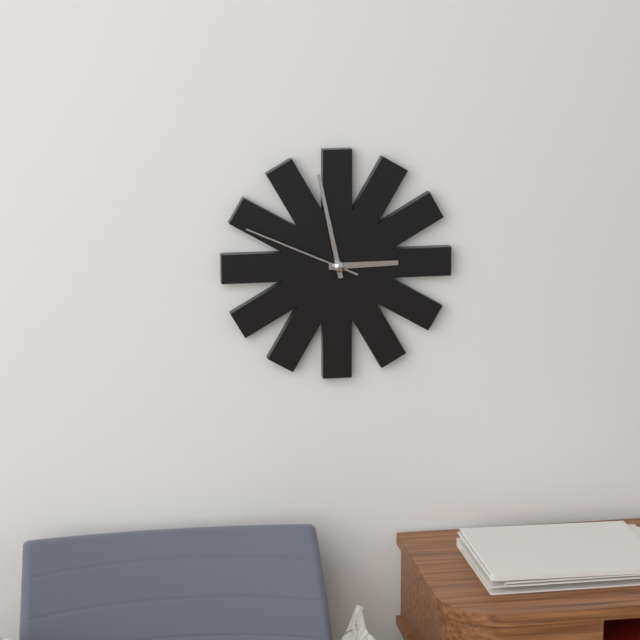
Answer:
{"hour": 2, "minute": 58, "second": 49}
